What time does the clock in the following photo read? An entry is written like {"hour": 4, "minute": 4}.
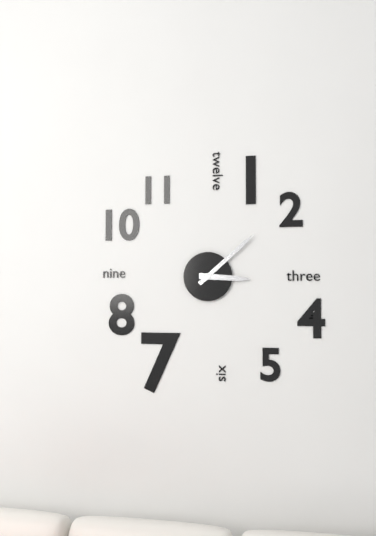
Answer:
{"hour": 3, "minute": 8}
